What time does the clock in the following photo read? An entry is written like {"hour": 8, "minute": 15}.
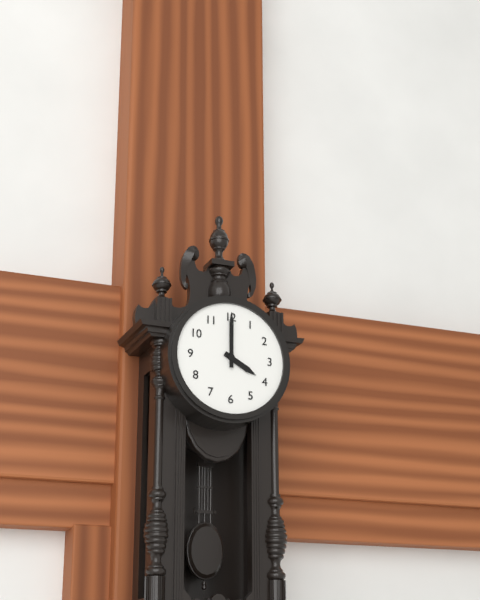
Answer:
{"hour": 4, "minute": 0}
